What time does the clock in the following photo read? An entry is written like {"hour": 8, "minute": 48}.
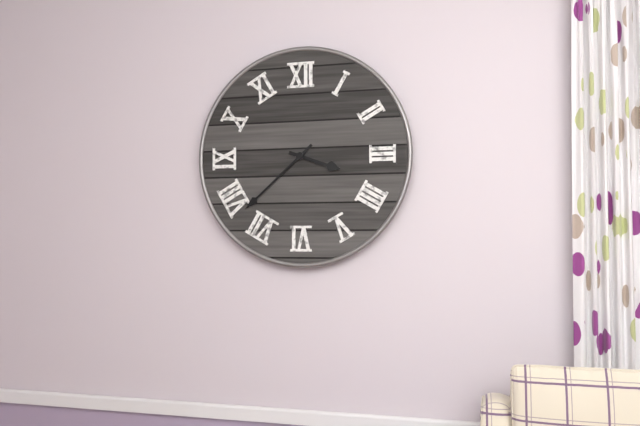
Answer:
{"hour": 3, "minute": 38}
